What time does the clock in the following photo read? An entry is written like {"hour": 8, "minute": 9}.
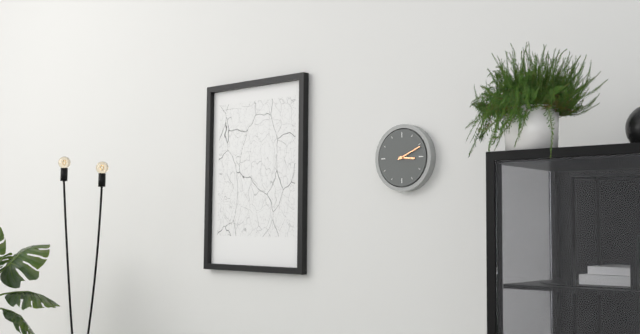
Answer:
{"hour": 3, "minute": 11}
